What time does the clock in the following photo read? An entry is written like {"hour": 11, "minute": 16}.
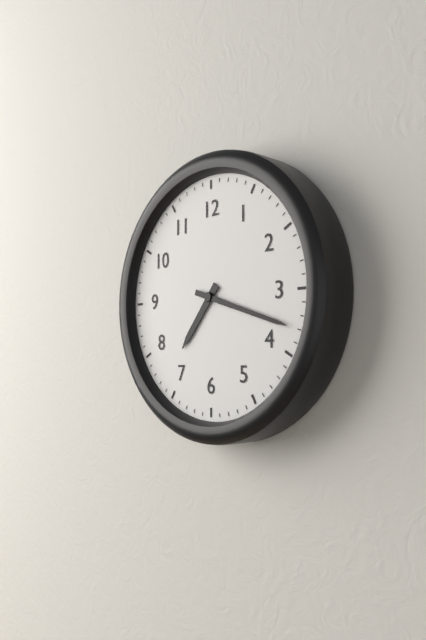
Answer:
{"hour": 7, "minute": 18}
